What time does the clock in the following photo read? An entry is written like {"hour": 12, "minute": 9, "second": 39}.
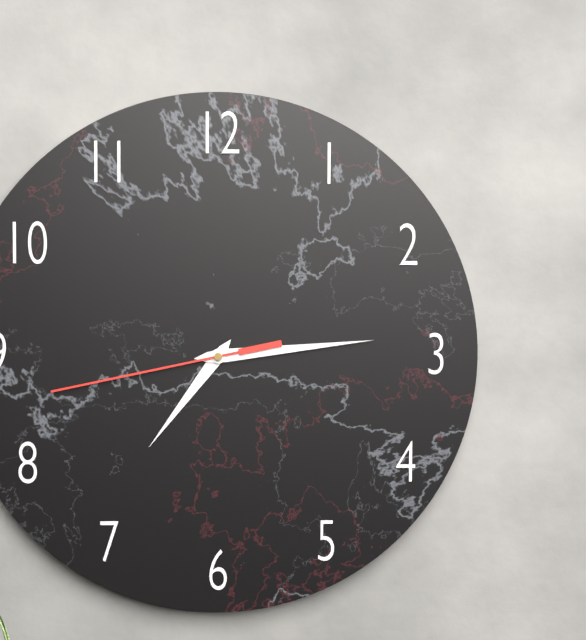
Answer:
{"hour": 7, "minute": 14, "second": 43}
